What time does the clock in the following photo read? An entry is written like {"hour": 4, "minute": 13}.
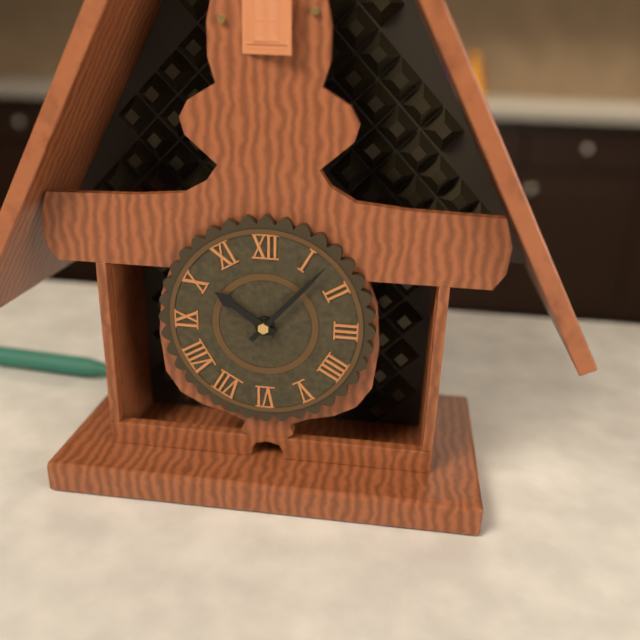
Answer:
{"hour": 10, "minute": 7}
